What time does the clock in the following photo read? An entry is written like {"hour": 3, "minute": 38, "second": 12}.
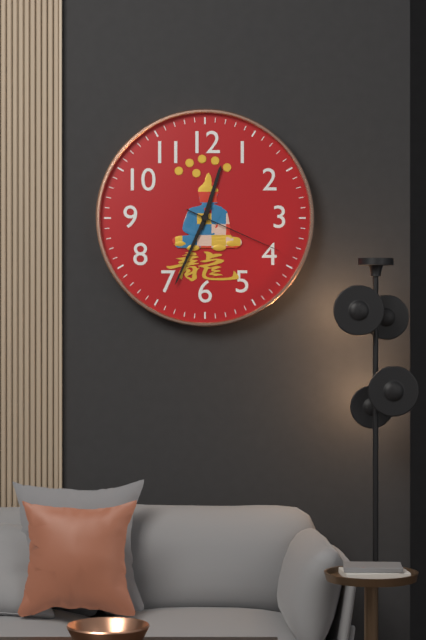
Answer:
{"hour": 12, "minute": 34, "second": 19}
